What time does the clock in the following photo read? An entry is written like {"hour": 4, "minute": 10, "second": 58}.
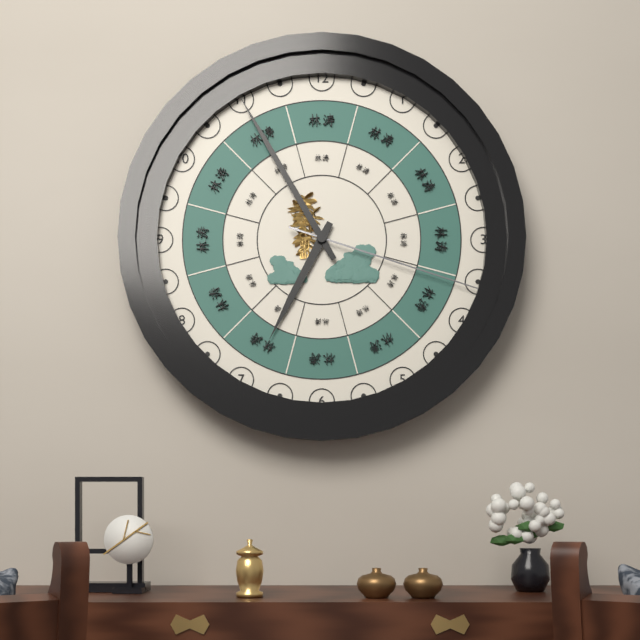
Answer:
{"hour": 6, "minute": 55, "second": 18}
